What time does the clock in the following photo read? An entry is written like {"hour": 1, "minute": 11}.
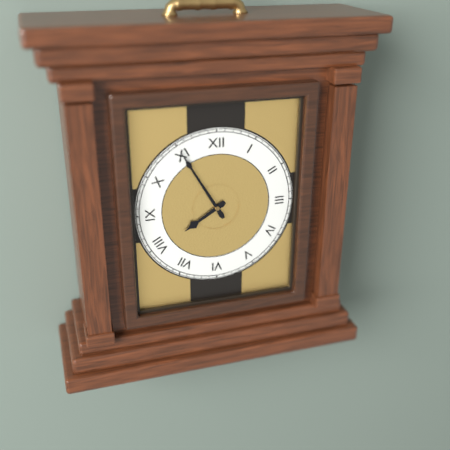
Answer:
{"hour": 7, "minute": 55}
